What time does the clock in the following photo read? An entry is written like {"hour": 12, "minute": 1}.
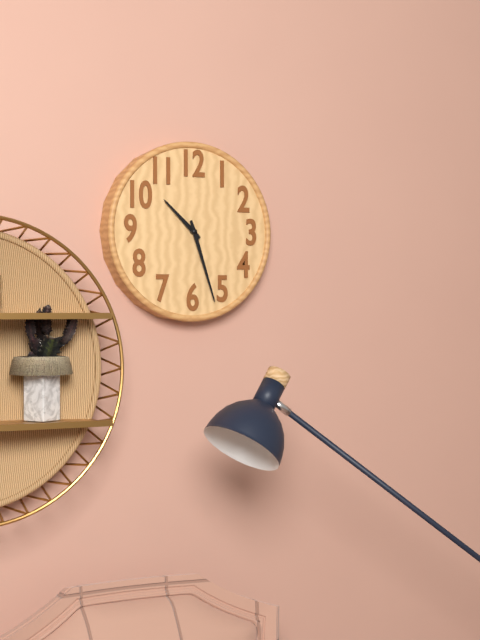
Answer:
{"hour": 10, "minute": 27}
